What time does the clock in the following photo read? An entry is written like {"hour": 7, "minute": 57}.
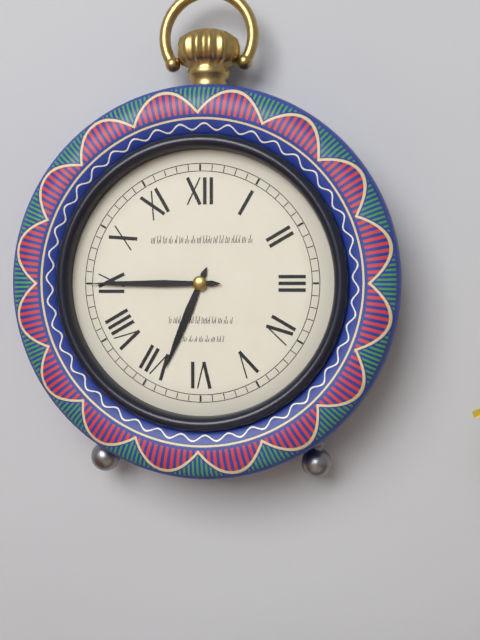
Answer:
{"hour": 6, "minute": 45}
